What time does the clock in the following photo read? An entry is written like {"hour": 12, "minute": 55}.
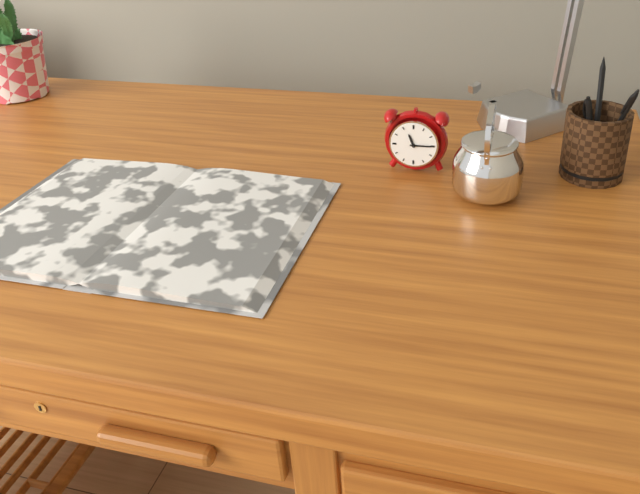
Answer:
{"hour": 11, "minute": 15}
